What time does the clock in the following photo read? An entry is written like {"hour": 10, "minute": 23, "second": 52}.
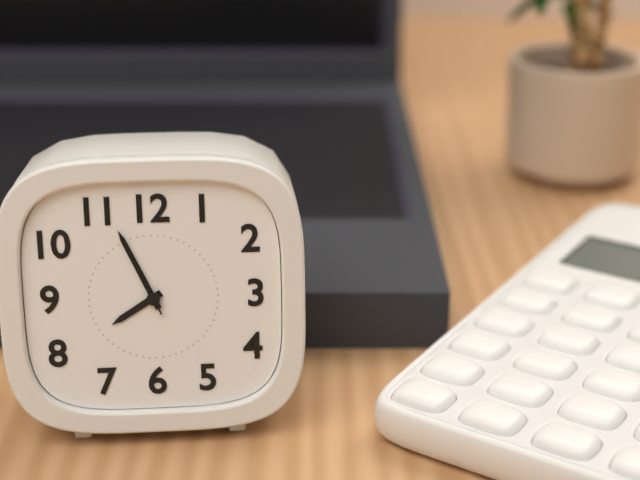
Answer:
{"hour": 7, "minute": 56, "second": 56}
